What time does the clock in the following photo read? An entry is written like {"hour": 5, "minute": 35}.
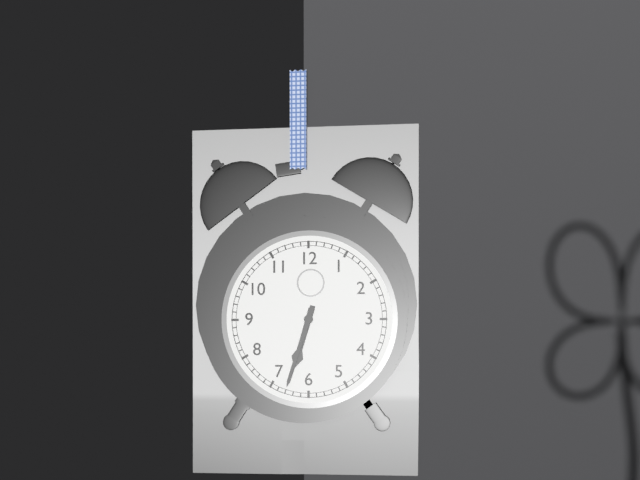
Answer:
{"hour": 6, "minute": 33}
